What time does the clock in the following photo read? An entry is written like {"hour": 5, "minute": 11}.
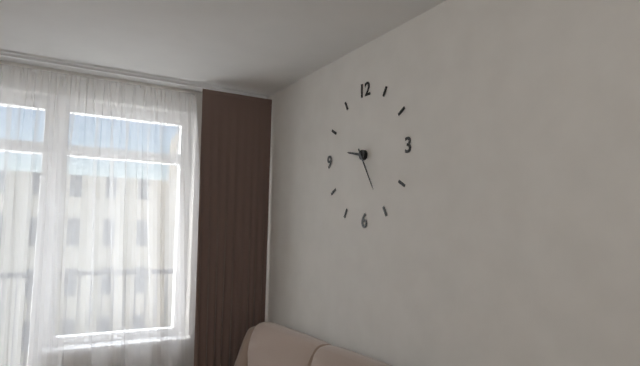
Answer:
{"hour": 9, "minute": 25}
